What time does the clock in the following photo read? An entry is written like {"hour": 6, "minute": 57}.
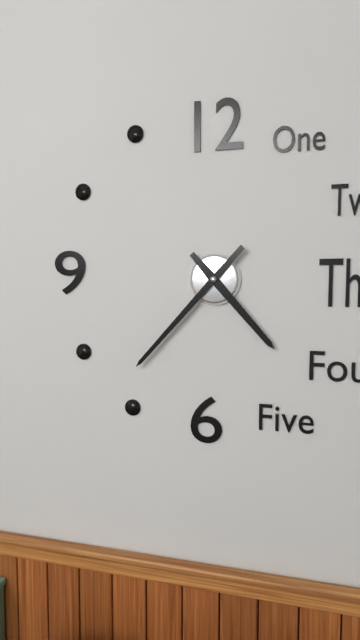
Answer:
{"hour": 4, "minute": 37}
